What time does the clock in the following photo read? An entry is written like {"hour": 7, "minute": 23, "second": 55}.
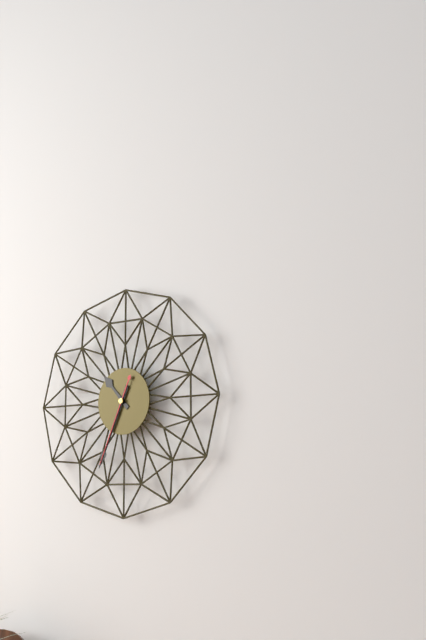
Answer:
{"hour": 10, "minute": 34, "second": 34}
